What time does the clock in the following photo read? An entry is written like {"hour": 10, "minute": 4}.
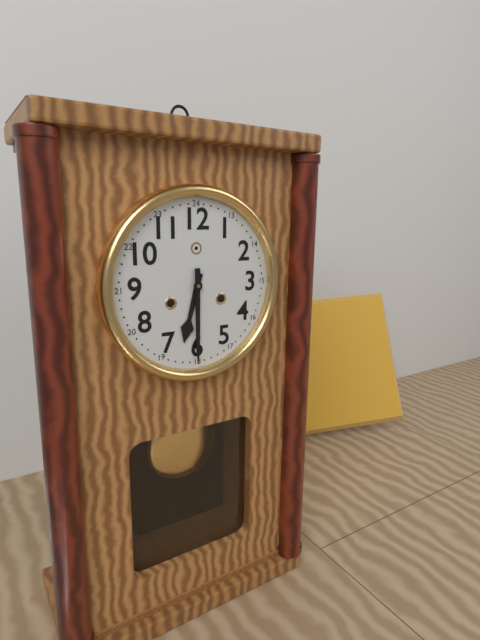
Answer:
{"hour": 6, "minute": 30}
